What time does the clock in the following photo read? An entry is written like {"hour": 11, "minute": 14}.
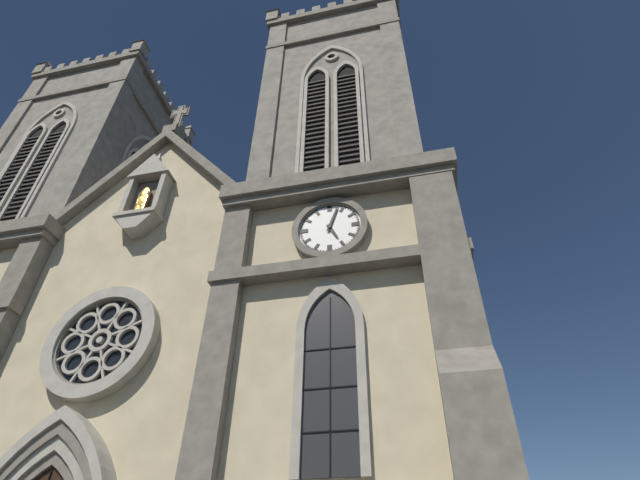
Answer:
{"hour": 5, "minute": 3}
